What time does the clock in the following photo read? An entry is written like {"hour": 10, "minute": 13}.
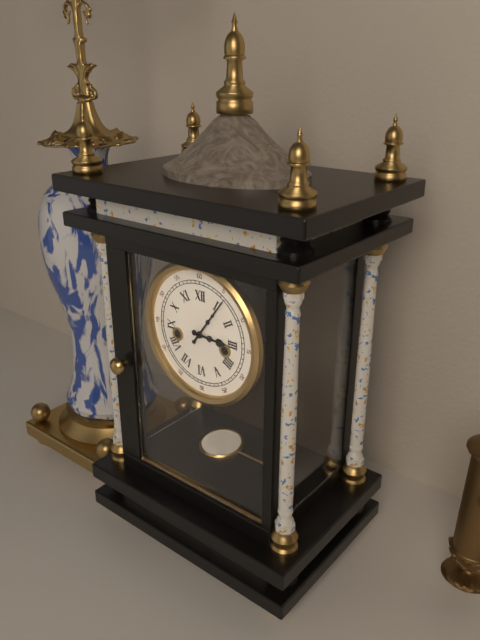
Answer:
{"hour": 3, "minute": 6}
